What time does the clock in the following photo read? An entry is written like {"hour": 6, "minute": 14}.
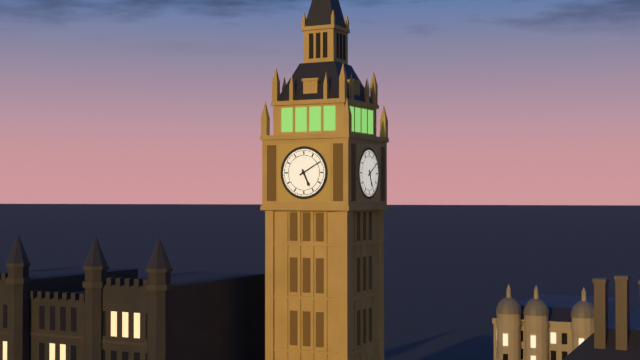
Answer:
{"hour": 5, "minute": 10}
